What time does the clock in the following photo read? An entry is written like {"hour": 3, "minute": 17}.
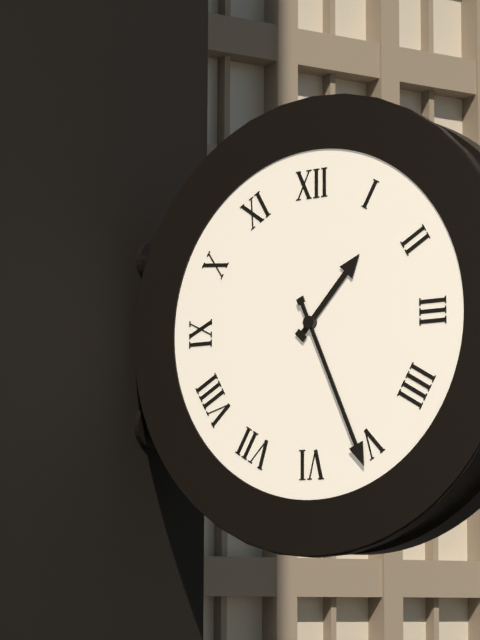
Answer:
{"hour": 1, "minute": 26}
